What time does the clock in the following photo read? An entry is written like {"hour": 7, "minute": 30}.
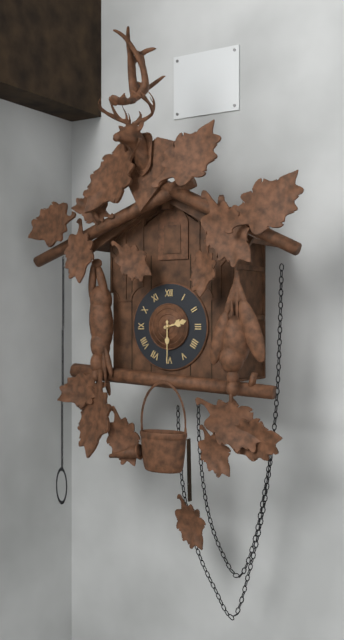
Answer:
{"hour": 2, "minute": 30}
